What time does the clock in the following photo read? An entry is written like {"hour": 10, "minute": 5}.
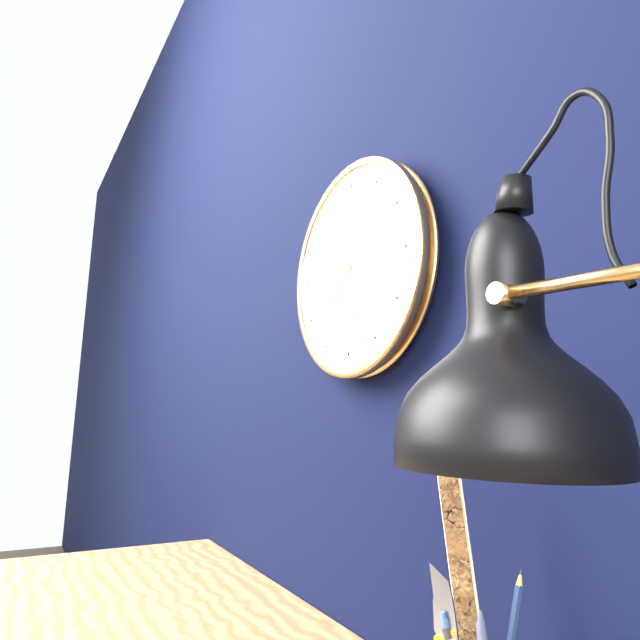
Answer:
{"hour": 7, "minute": 27}
